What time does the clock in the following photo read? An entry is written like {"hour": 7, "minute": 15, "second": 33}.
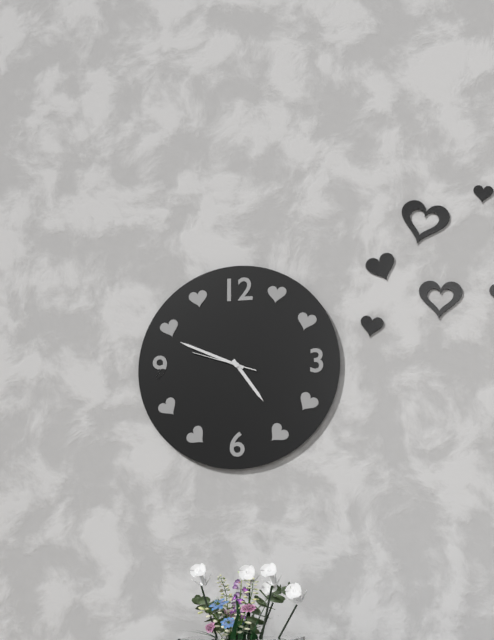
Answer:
{"hour": 4, "minute": 49, "second": 48}
